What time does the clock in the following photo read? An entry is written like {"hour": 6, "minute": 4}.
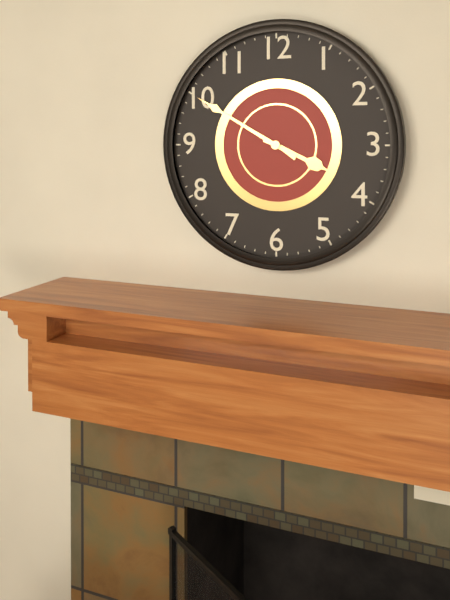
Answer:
{"hour": 3, "minute": 50}
